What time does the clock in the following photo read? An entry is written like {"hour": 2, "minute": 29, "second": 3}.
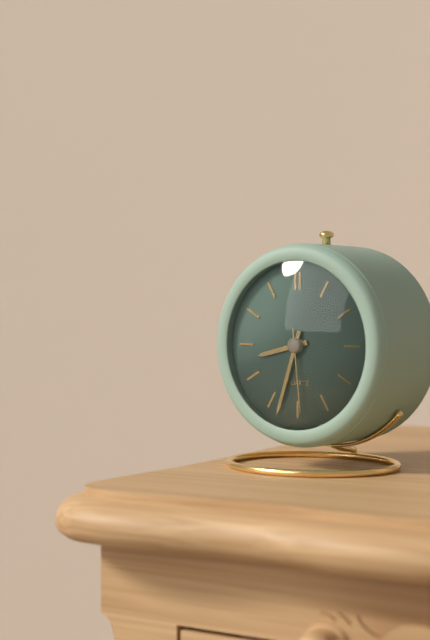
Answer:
{"hour": 8, "minute": 33, "second": 29}
